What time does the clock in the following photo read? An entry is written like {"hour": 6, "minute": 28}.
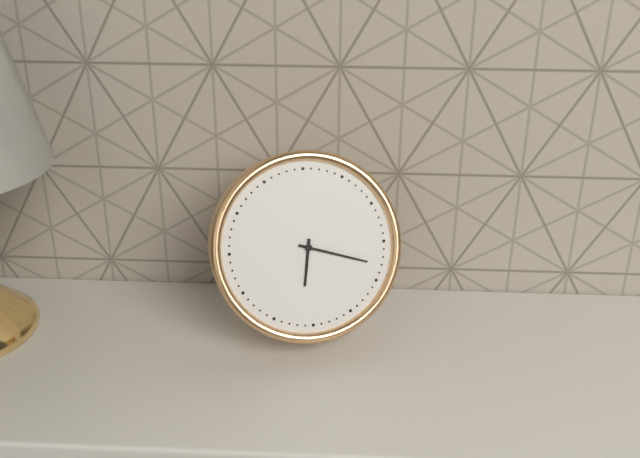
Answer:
{"hour": 6, "minute": 18}
